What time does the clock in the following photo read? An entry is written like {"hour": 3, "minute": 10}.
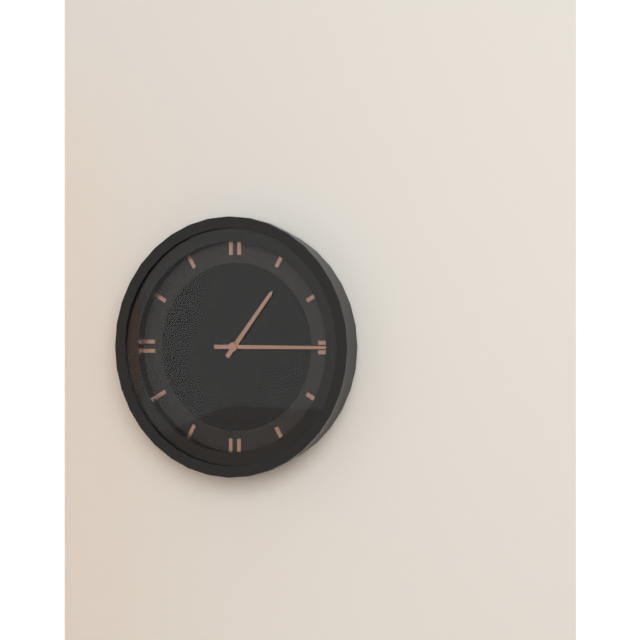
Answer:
{"hour": 1, "minute": 15}
